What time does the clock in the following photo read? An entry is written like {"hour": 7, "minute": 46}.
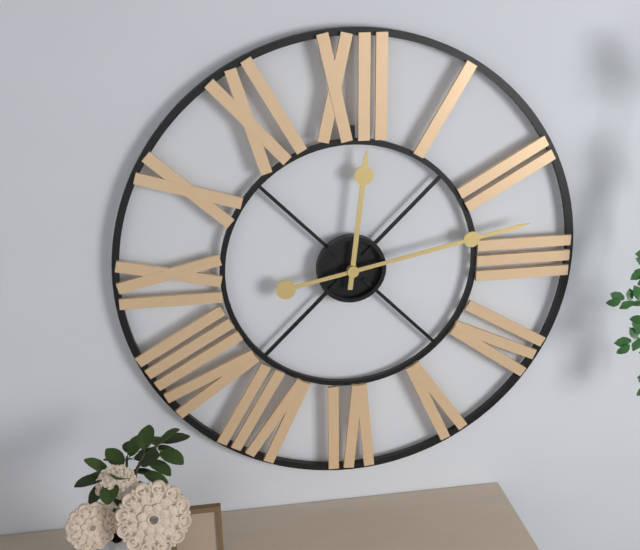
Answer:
{"hour": 12, "minute": 13}
